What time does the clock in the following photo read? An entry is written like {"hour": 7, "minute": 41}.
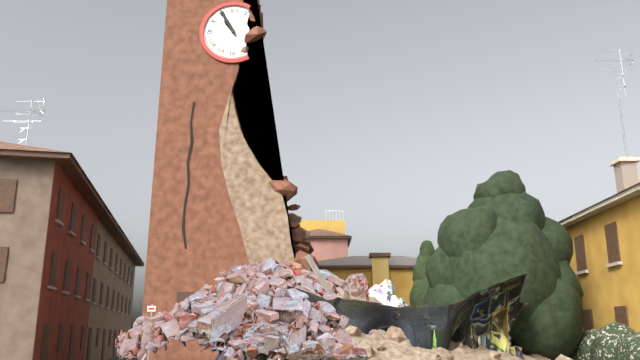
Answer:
{"hour": 10, "minute": 55}
